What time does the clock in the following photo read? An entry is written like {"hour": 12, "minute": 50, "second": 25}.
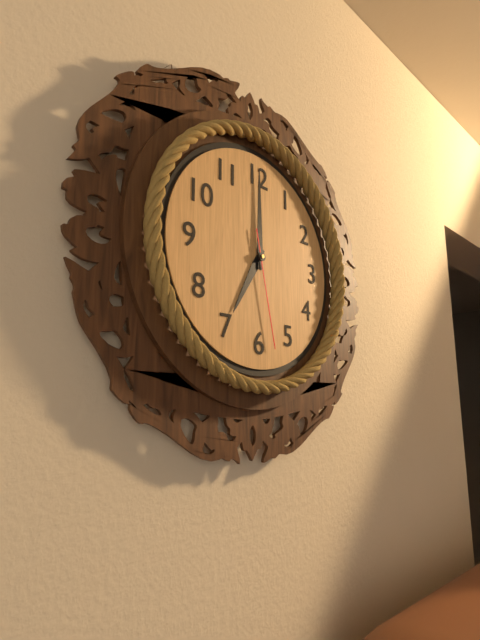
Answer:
{"hour": 7, "minute": 0, "second": 28}
